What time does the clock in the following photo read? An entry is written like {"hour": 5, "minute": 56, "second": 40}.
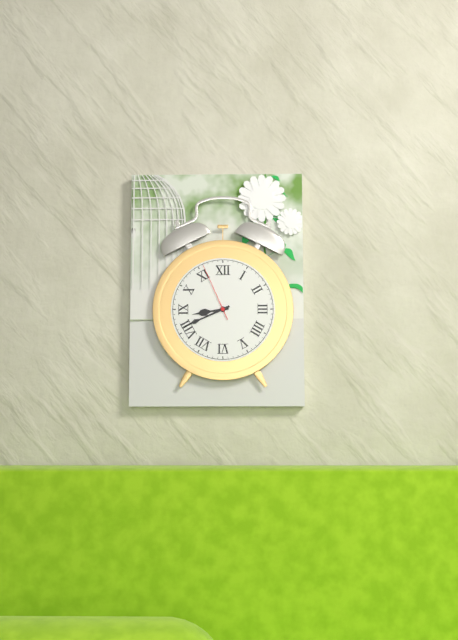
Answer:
{"hour": 8, "minute": 41, "second": 56}
